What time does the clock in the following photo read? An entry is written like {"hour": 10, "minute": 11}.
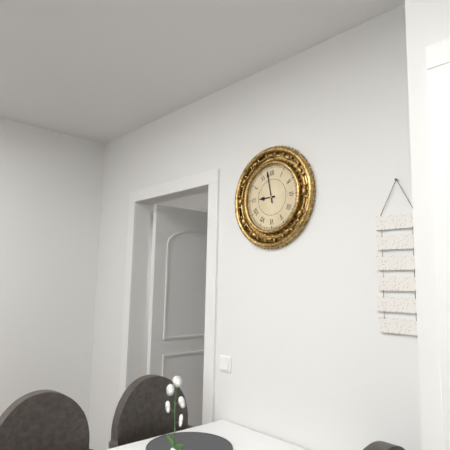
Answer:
{"hour": 8, "minute": 58}
